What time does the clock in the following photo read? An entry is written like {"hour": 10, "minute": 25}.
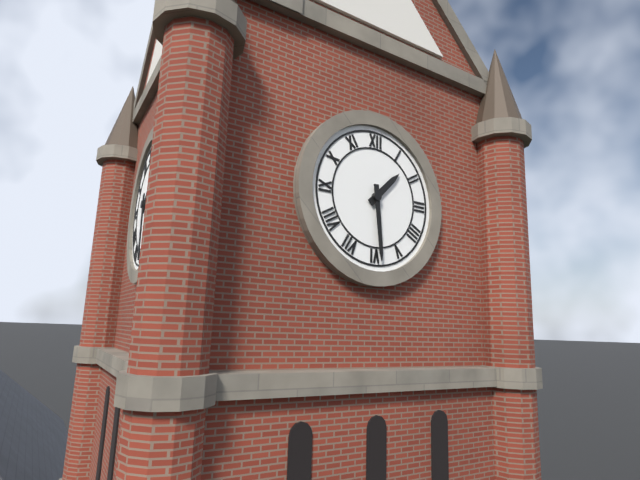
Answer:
{"hour": 1, "minute": 29}
